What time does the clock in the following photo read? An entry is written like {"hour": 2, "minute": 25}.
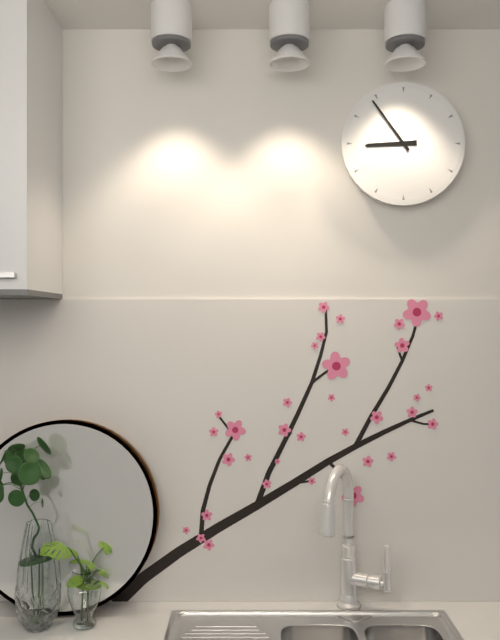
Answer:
{"hour": 8, "minute": 54}
